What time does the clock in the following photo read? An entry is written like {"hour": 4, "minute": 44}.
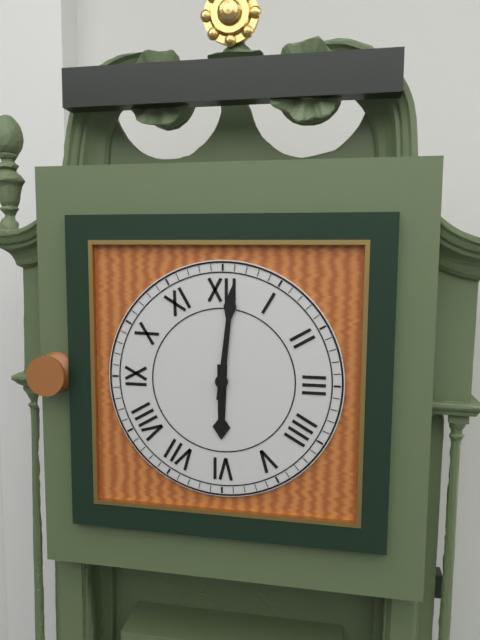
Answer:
{"hour": 6, "minute": 1}
